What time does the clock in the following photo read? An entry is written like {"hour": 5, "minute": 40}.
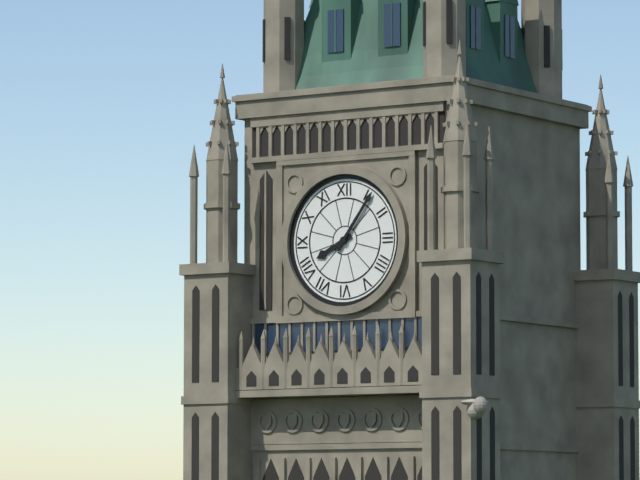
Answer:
{"hour": 8, "minute": 6}
